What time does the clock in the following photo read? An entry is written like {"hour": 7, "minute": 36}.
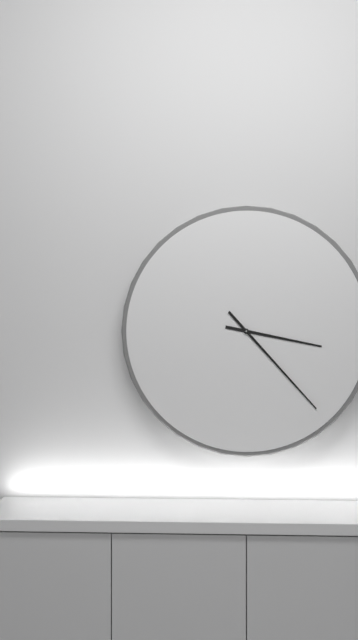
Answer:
{"hour": 3, "minute": 23}
